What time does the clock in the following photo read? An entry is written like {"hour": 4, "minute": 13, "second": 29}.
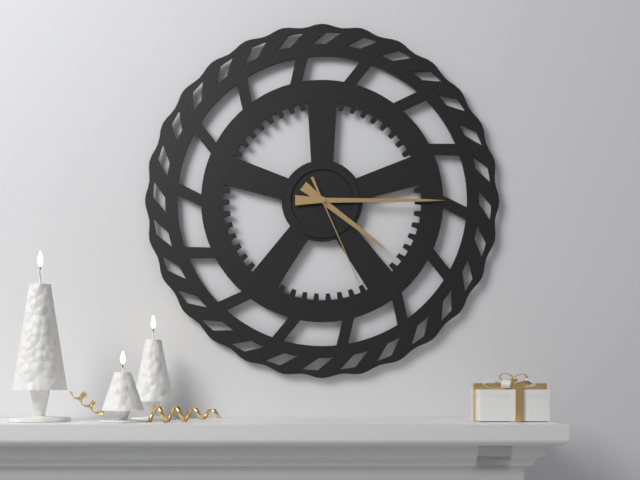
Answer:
{"hour": 4, "minute": 15, "second": 26}
